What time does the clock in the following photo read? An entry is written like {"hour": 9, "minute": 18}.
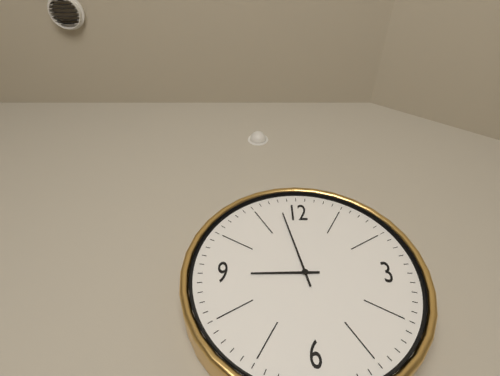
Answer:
{"hour": 8, "minute": 58}
